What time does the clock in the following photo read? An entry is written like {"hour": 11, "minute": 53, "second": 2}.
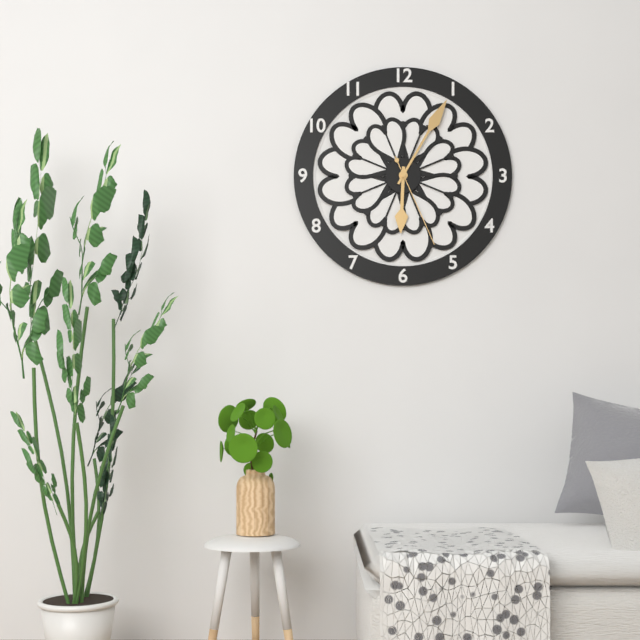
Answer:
{"hour": 6, "minute": 5, "second": 26}
